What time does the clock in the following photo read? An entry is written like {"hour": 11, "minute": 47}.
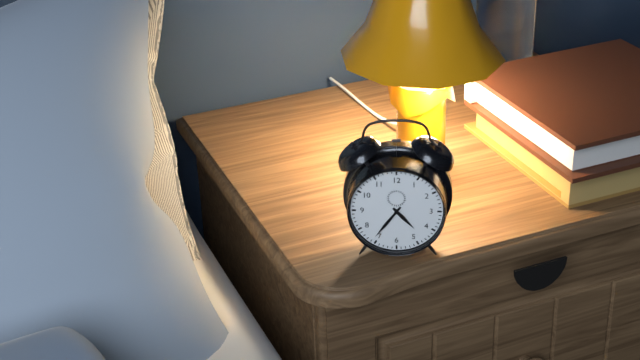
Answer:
{"hour": 4, "minute": 36}
